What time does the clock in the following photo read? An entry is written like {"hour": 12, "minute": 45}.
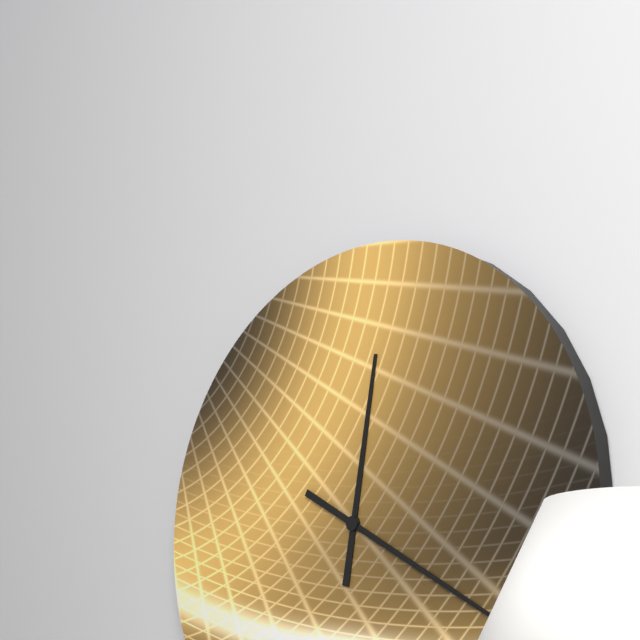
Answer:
{"hour": 12, "minute": 20}
